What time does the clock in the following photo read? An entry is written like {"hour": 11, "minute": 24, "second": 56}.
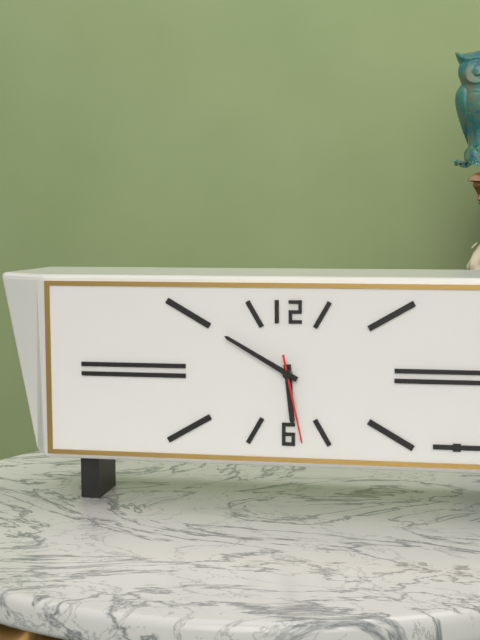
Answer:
{"hour": 5, "minute": 50, "second": 28}
